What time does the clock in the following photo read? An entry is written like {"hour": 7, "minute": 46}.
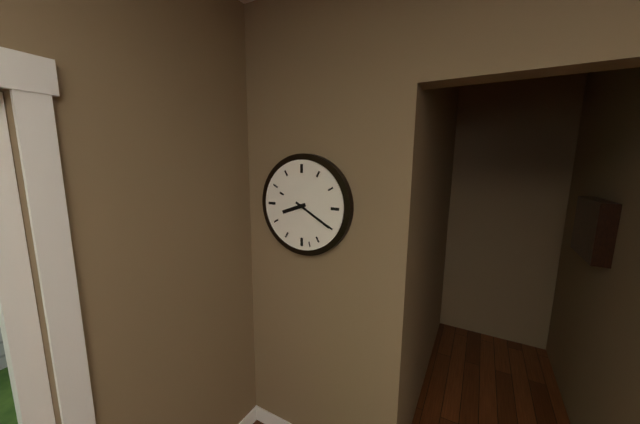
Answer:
{"hour": 8, "minute": 20}
